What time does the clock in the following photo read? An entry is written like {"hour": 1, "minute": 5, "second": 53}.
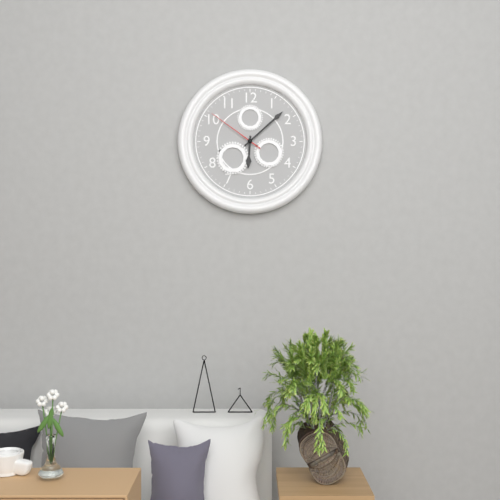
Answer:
{"hour": 6, "minute": 8, "second": 51}
